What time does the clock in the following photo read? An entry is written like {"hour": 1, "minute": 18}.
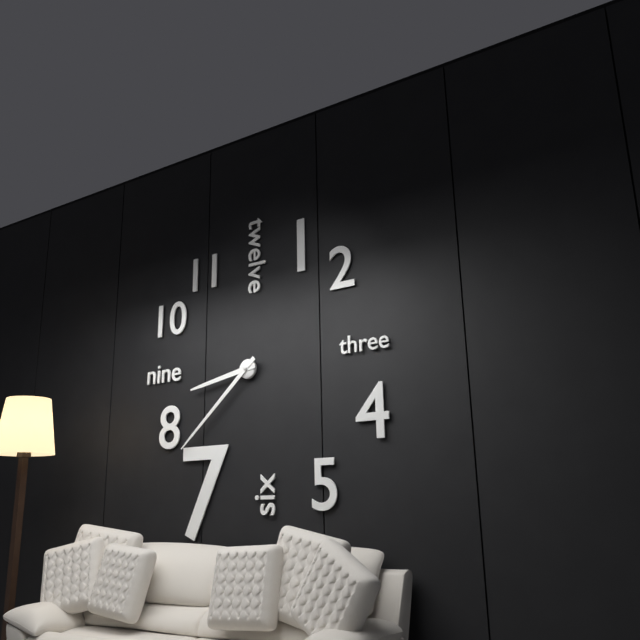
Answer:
{"hour": 8, "minute": 38}
